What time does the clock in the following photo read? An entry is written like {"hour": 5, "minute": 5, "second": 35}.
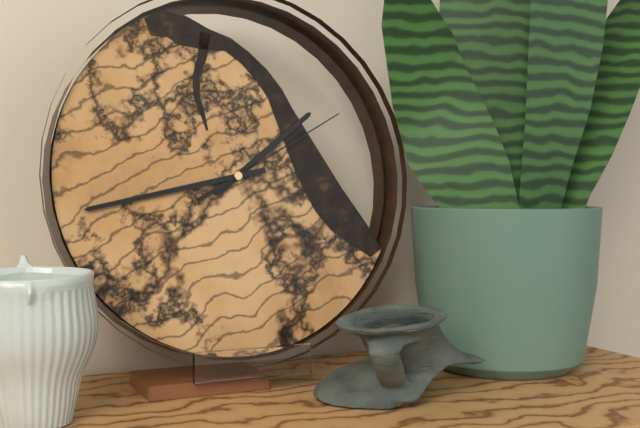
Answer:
{"hour": 1, "minute": 43, "second": 10}
